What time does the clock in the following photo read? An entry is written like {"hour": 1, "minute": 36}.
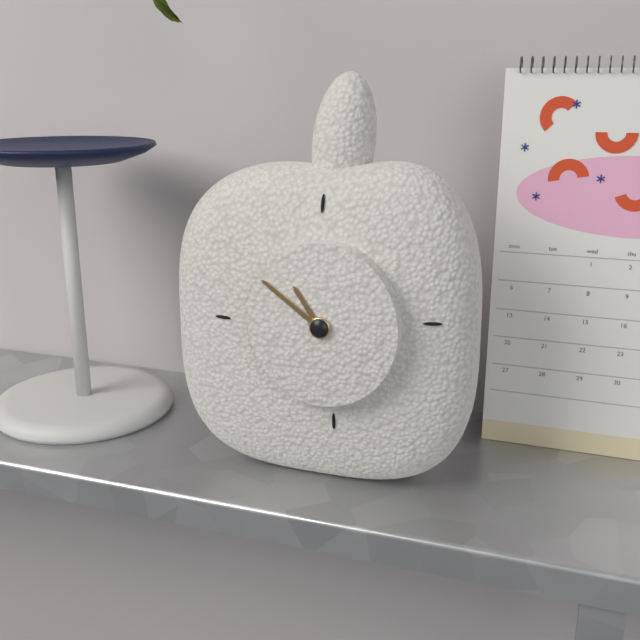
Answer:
{"hour": 10, "minute": 51}
